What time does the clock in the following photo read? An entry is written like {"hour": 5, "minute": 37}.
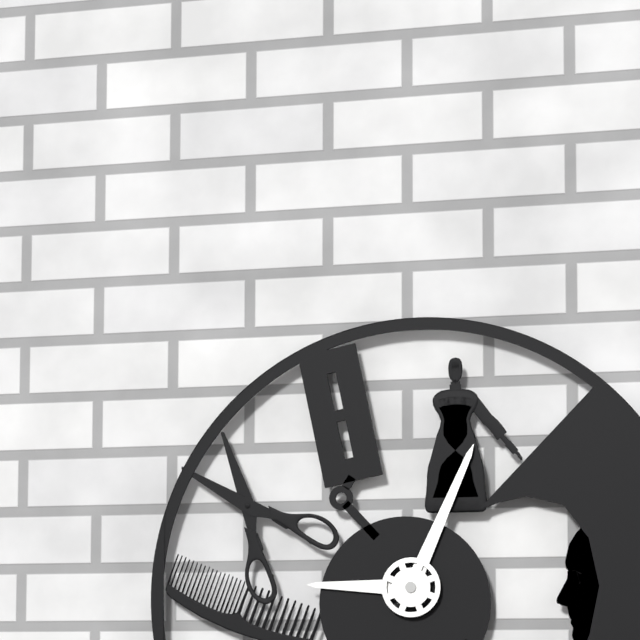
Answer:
{"hour": 9, "minute": 4}
